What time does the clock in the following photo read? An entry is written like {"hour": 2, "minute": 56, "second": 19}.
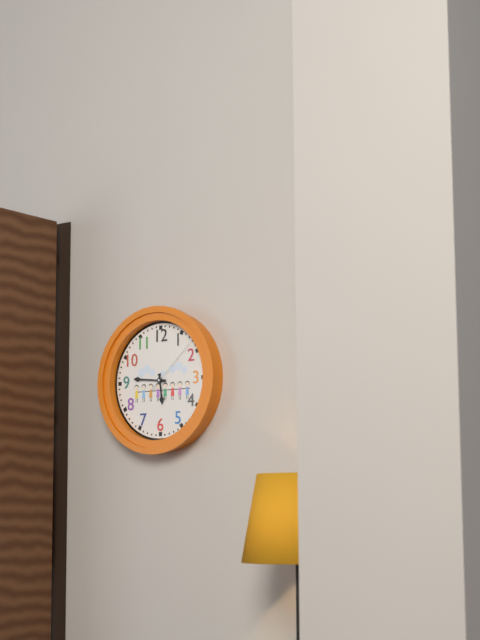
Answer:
{"hour": 5, "minute": 46, "second": 8}
